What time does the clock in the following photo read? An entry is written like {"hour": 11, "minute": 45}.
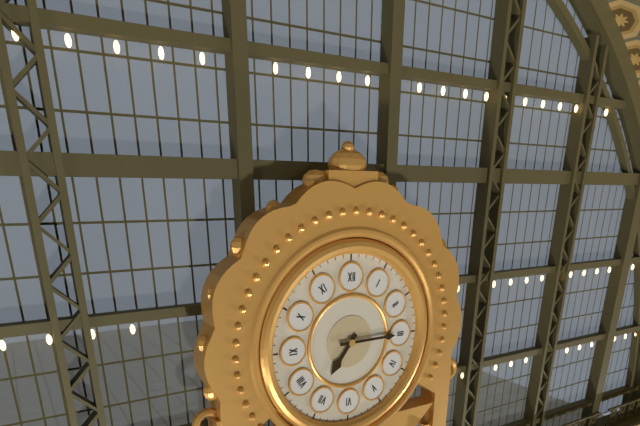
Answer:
{"hour": 7, "minute": 15}
